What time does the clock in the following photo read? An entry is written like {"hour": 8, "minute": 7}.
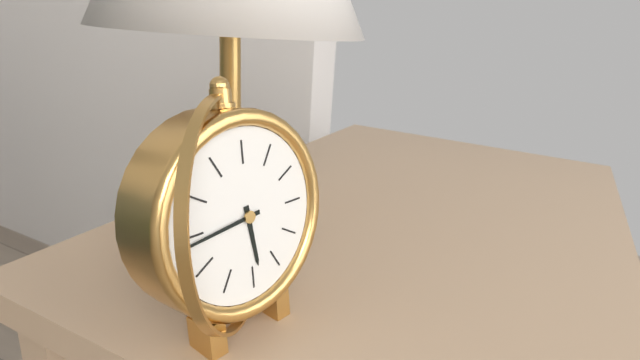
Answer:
{"hour": 5, "minute": 44}
